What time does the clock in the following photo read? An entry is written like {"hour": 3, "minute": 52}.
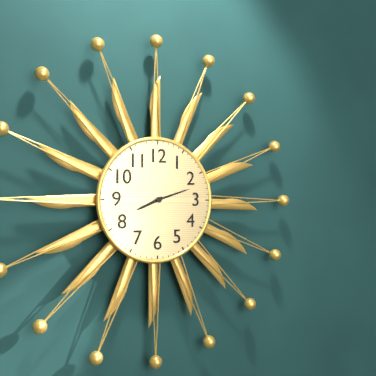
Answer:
{"hour": 8, "minute": 12}
